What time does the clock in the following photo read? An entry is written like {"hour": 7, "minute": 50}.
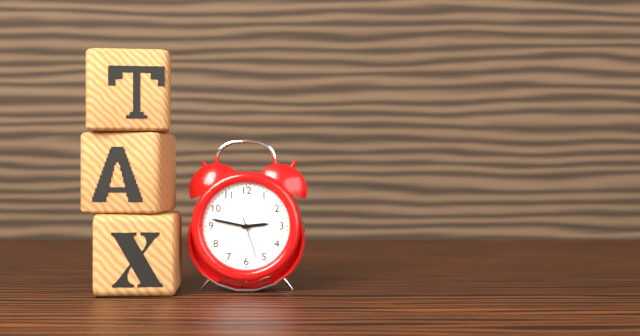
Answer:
{"hour": 2, "minute": 47}
